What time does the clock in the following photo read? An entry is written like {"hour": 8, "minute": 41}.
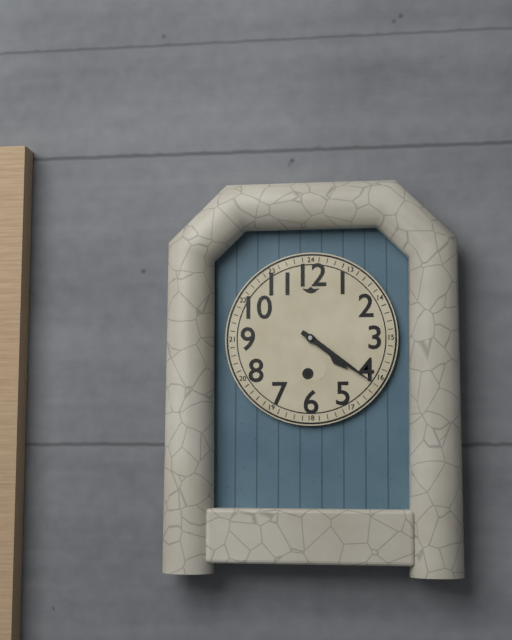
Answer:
{"hour": 4, "minute": 21}
